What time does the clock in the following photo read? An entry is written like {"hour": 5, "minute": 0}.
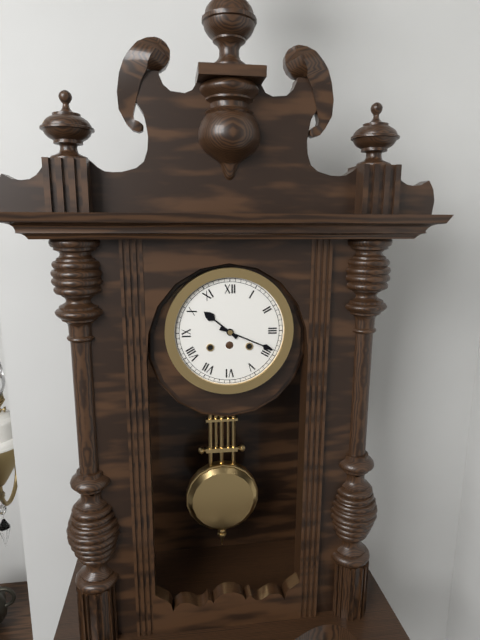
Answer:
{"hour": 10, "minute": 19}
